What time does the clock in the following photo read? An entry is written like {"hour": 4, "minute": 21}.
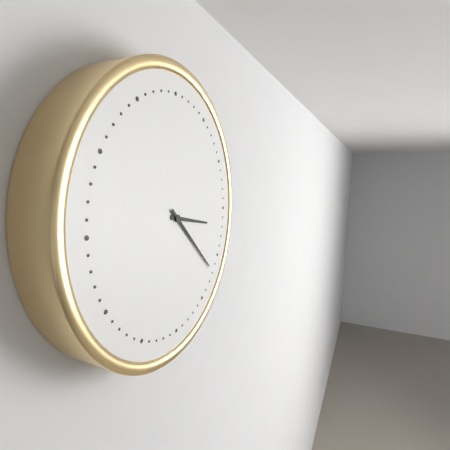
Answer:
{"hour": 3, "minute": 22}
